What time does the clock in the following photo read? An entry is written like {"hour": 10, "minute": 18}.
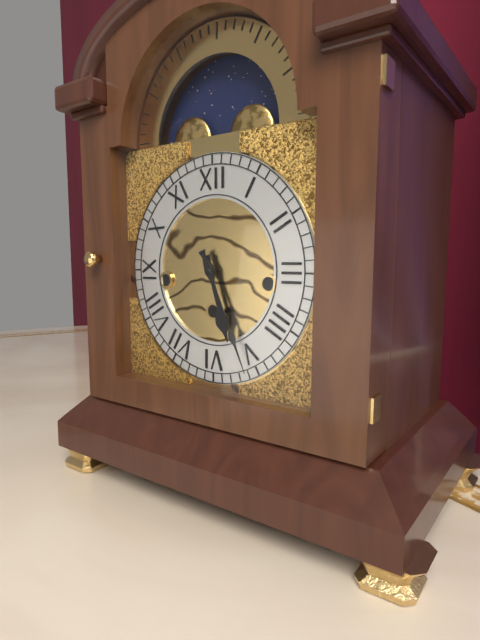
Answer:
{"hour": 5, "minute": 26}
